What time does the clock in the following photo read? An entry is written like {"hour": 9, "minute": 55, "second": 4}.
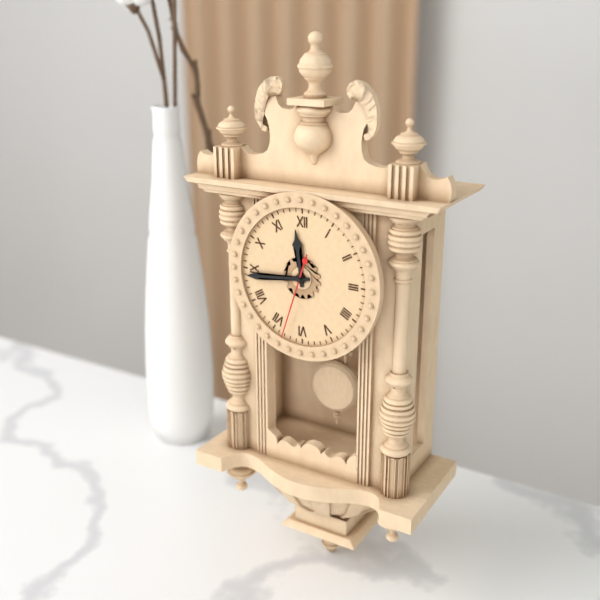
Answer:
{"hour": 11, "minute": 44, "second": 33}
